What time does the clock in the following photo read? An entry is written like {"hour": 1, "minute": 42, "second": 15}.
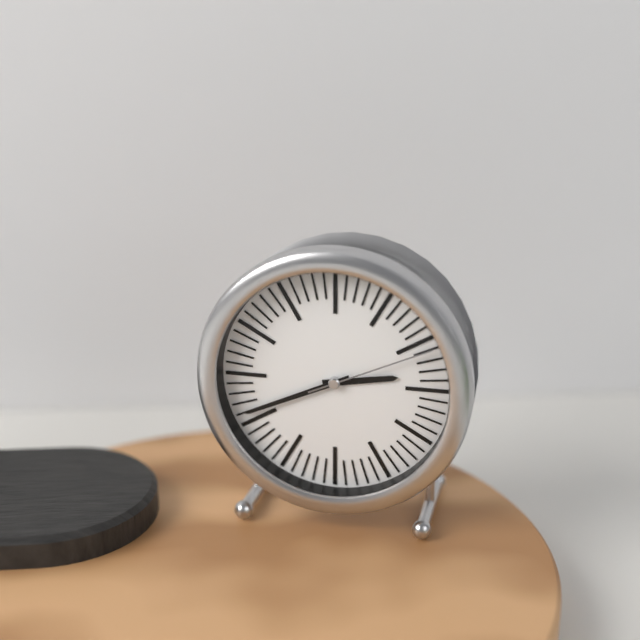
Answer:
{"hour": 2, "minute": 41, "second": 11}
